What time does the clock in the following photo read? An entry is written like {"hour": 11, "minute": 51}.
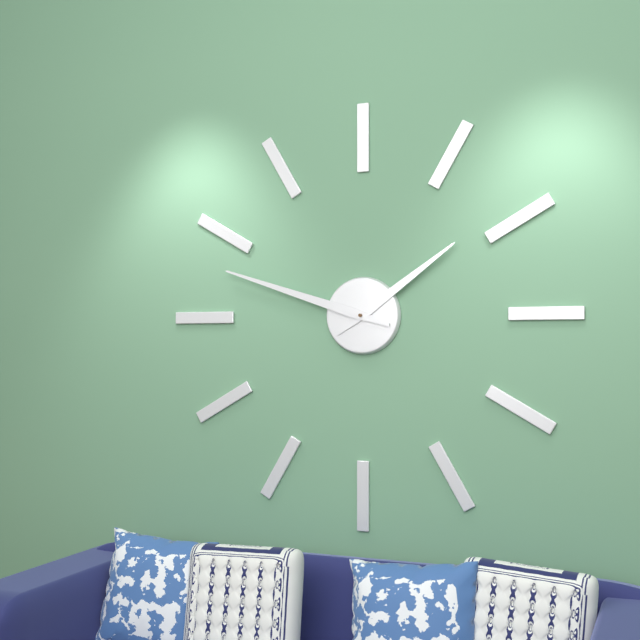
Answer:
{"hour": 1, "minute": 48}
